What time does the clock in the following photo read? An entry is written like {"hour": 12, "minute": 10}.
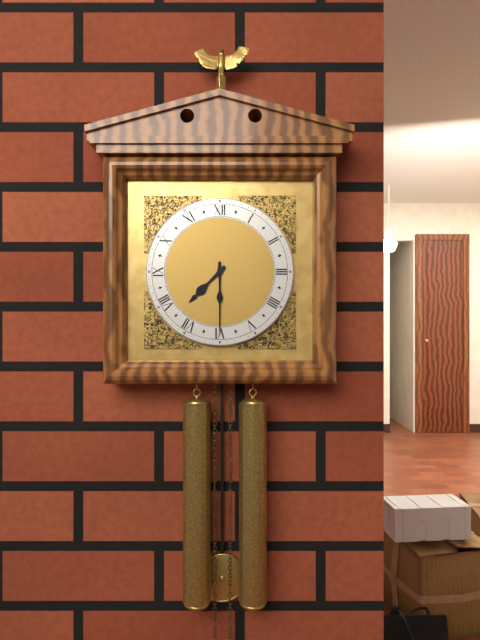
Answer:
{"hour": 7, "minute": 30}
